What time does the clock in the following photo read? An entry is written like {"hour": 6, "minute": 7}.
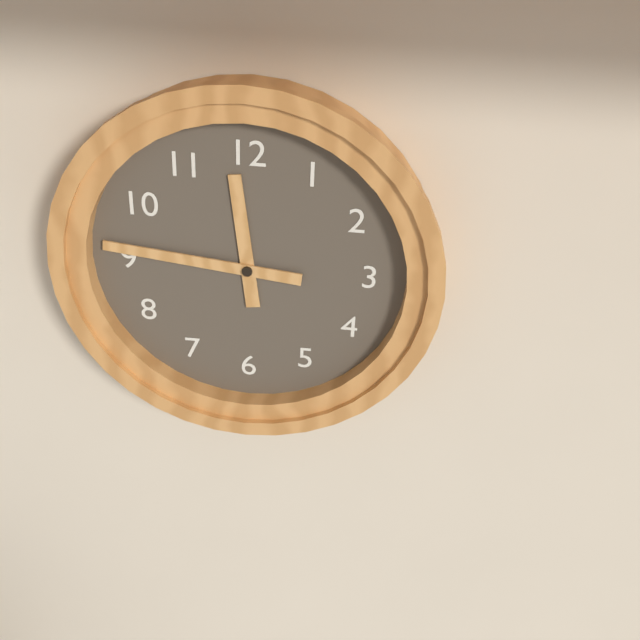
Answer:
{"hour": 11, "minute": 46}
